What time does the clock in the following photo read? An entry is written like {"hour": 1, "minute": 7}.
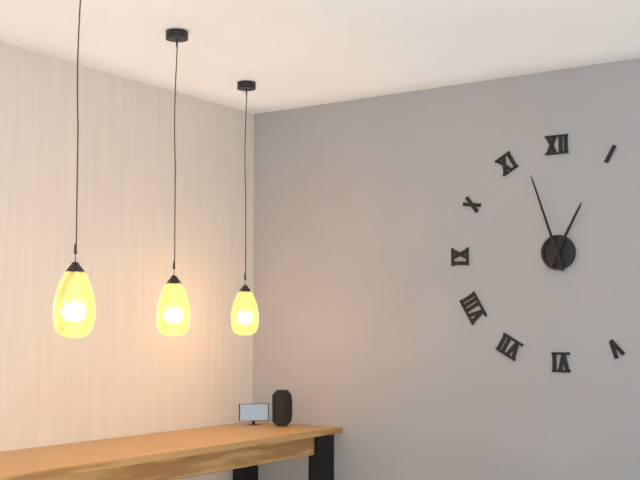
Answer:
{"hour": 12, "minute": 57}
